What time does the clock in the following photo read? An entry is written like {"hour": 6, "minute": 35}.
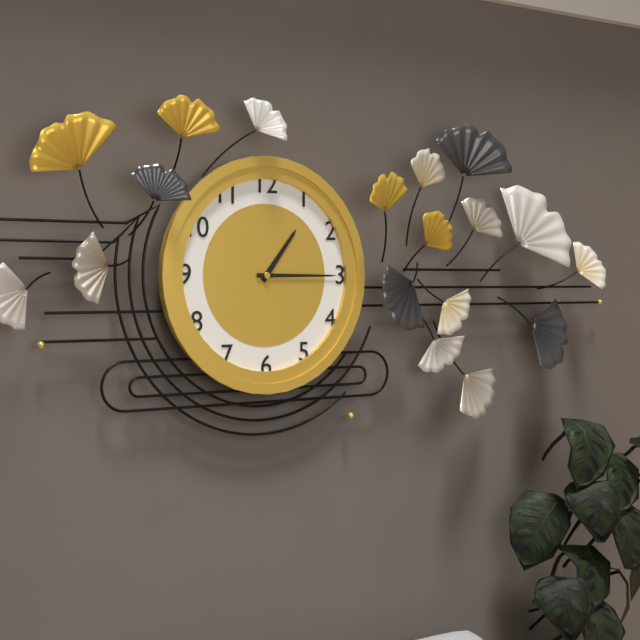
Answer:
{"hour": 1, "minute": 15}
